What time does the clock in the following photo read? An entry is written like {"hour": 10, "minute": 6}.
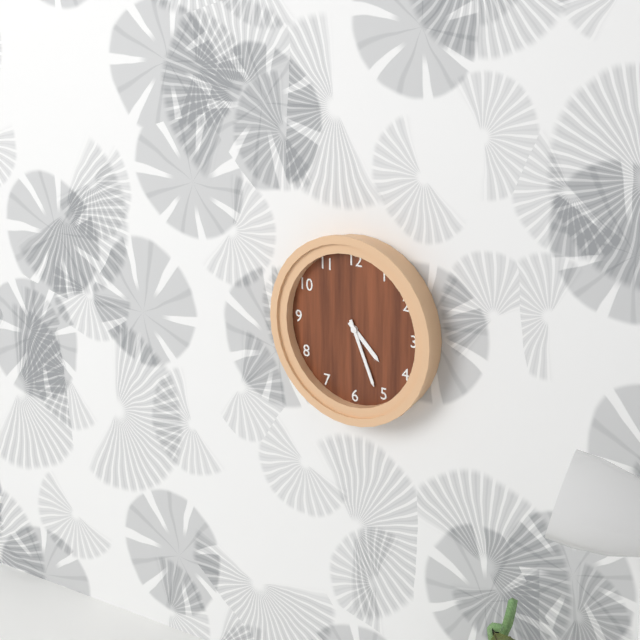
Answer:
{"hour": 4, "minute": 26}
